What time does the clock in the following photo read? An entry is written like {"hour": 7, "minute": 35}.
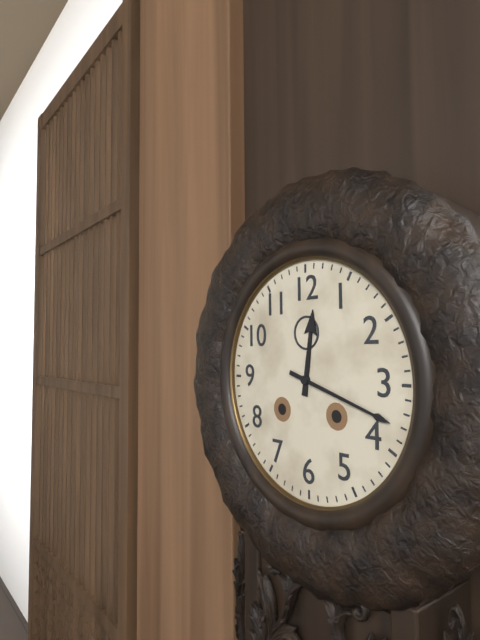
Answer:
{"hour": 12, "minute": 18}
